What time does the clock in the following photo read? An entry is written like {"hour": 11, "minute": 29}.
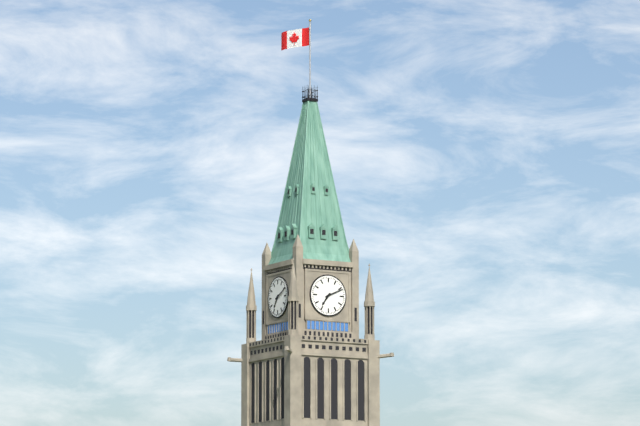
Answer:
{"hour": 7, "minute": 11}
